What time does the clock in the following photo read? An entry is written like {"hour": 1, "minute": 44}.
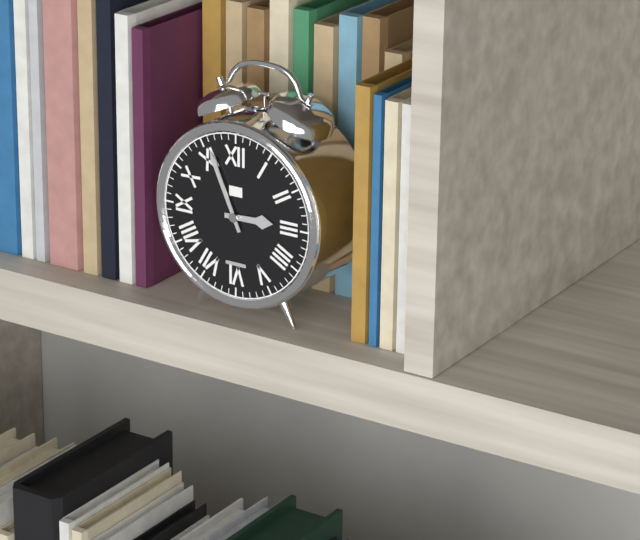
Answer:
{"hour": 2, "minute": 56}
